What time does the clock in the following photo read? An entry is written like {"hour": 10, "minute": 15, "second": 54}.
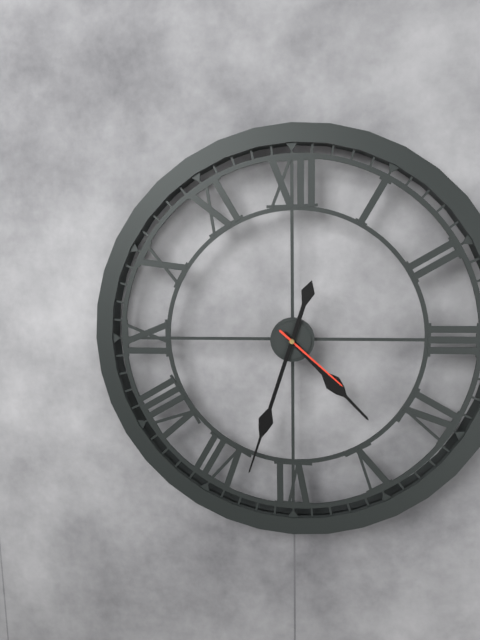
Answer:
{"hour": 4, "minute": 33, "second": 22}
